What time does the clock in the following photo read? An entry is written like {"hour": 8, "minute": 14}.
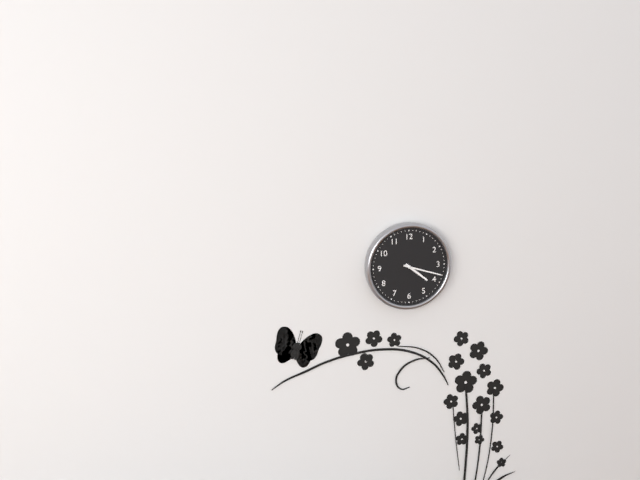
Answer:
{"hour": 4, "minute": 18}
